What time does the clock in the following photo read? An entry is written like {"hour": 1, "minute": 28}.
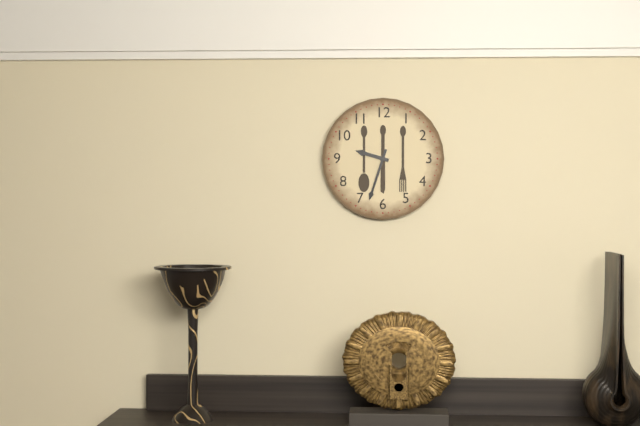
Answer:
{"hour": 9, "minute": 33}
